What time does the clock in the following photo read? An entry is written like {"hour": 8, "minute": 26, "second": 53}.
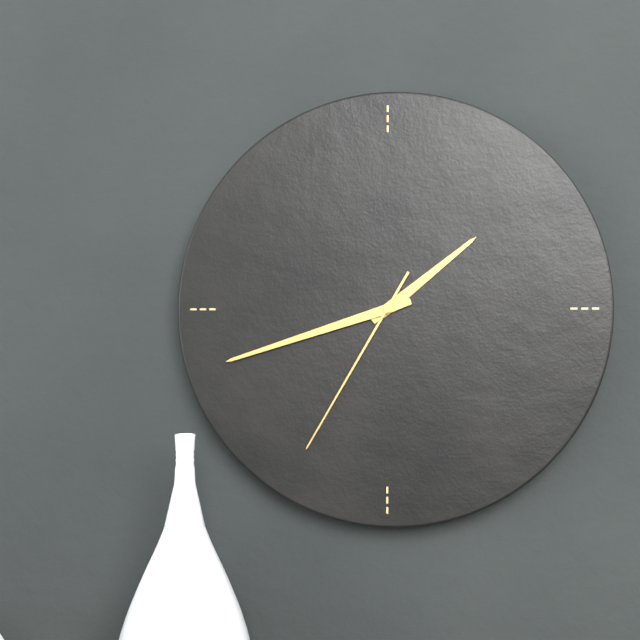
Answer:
{"hour": 1, "minute": 42, "second": 35}
